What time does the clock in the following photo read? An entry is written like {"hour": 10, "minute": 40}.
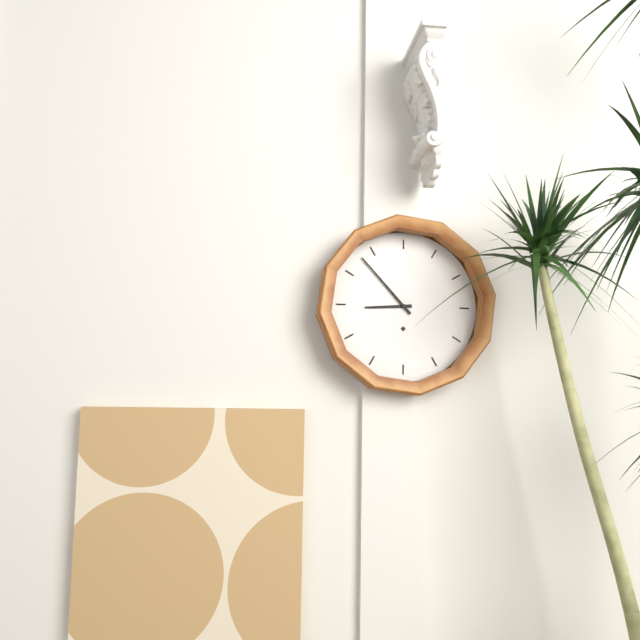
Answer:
{"hour": 8, "minute": 53}
